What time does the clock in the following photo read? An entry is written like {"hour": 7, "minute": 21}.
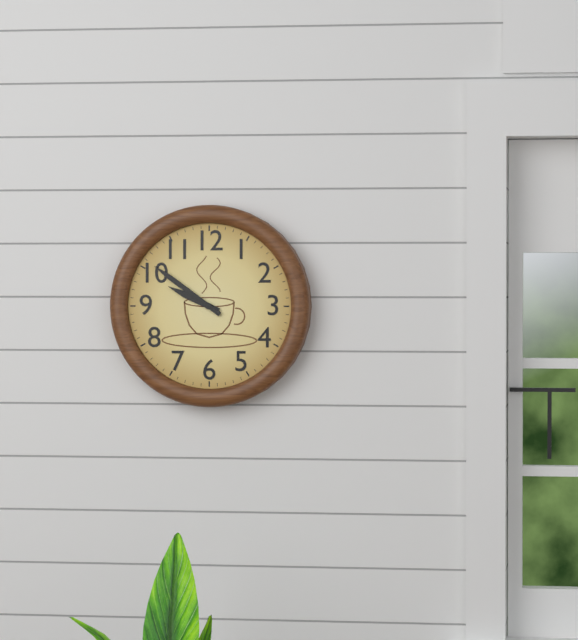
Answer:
{"hour": 9, "minute": 51}
